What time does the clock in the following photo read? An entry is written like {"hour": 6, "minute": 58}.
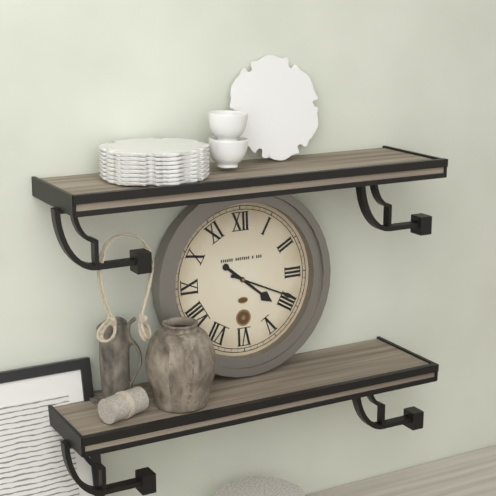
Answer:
{"hour": 4, "minute": 19}
